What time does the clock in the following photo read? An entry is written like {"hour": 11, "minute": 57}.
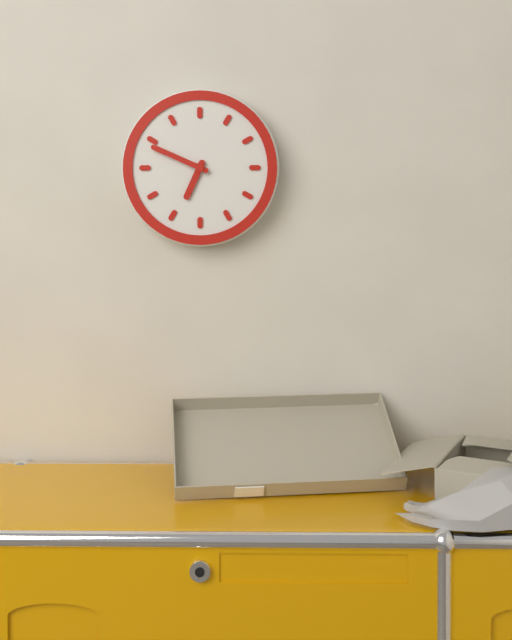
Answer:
{"hour": 6, "minute": 49}
